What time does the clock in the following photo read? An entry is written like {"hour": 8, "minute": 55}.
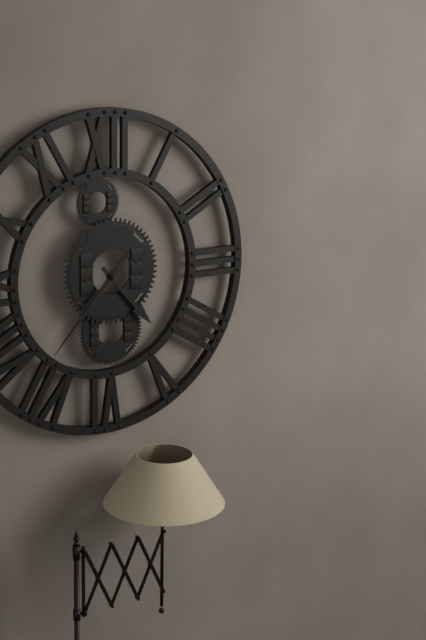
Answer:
{"hour": 4, "minute": 37}
